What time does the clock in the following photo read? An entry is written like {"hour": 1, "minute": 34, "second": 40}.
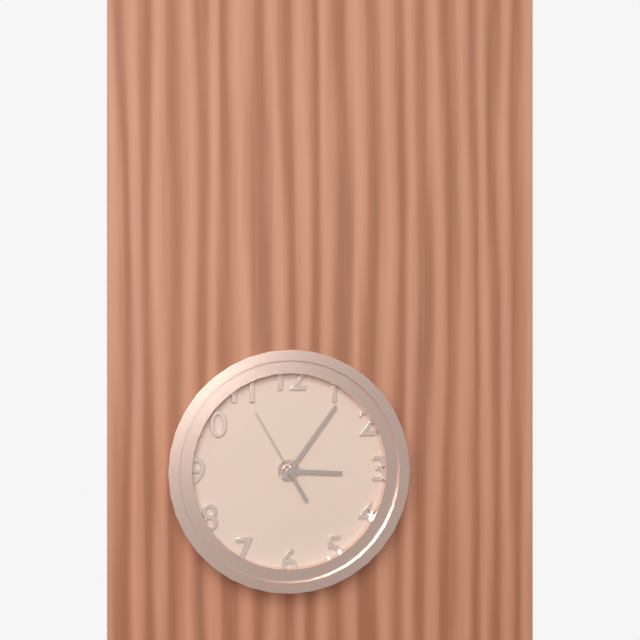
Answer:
{"hour": 3, "minute": 6, "second": 55}
